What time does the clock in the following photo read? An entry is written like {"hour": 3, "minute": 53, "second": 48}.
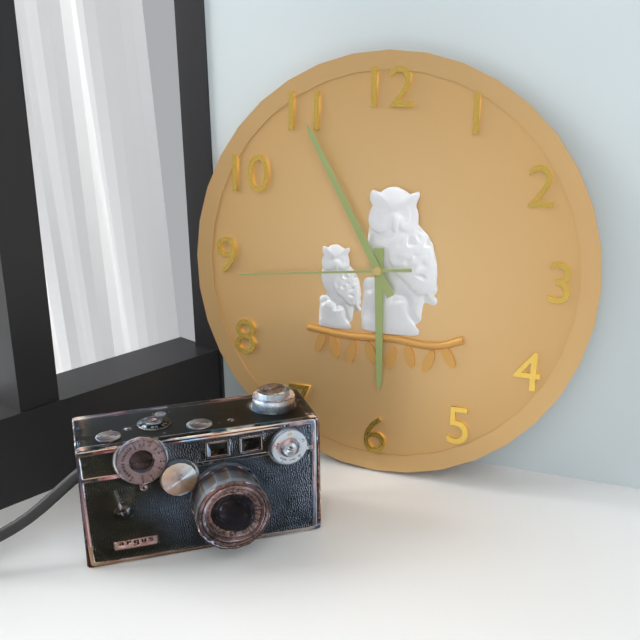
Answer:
{"hour": 5, "minute": 55, "second": 44}
